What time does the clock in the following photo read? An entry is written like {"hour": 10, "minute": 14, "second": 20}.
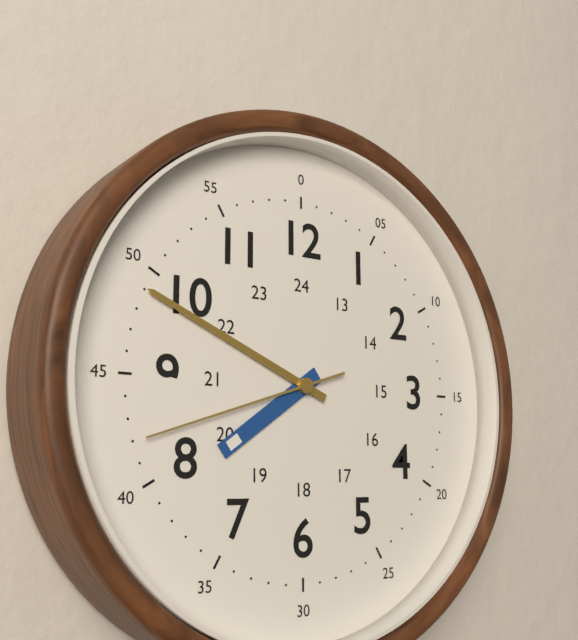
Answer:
{"hour": 7, "minute": 49, "second": 42}
